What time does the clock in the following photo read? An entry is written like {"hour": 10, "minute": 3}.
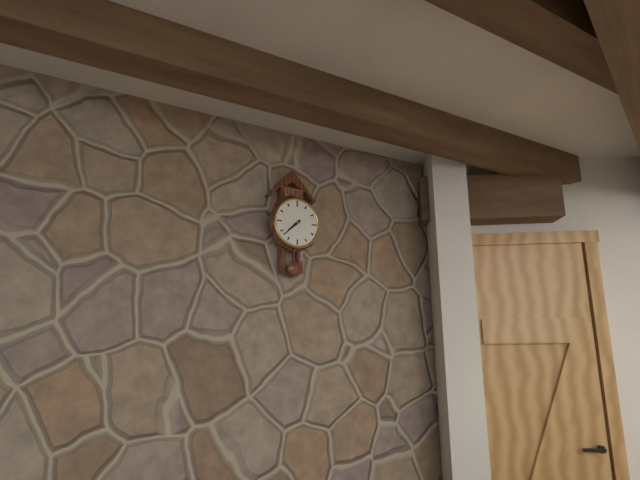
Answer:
{"hour": 7, "minute": 38}
